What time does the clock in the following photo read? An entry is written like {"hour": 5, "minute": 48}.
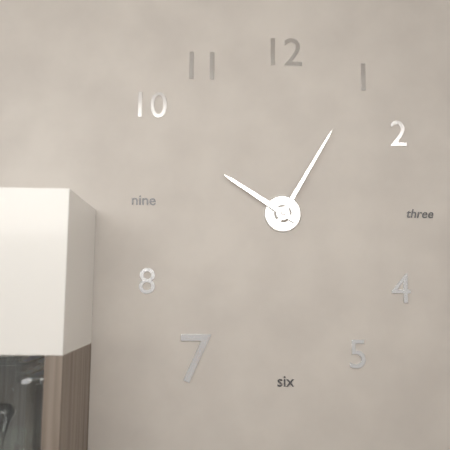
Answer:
{"hour": 10, "minute": 5}
